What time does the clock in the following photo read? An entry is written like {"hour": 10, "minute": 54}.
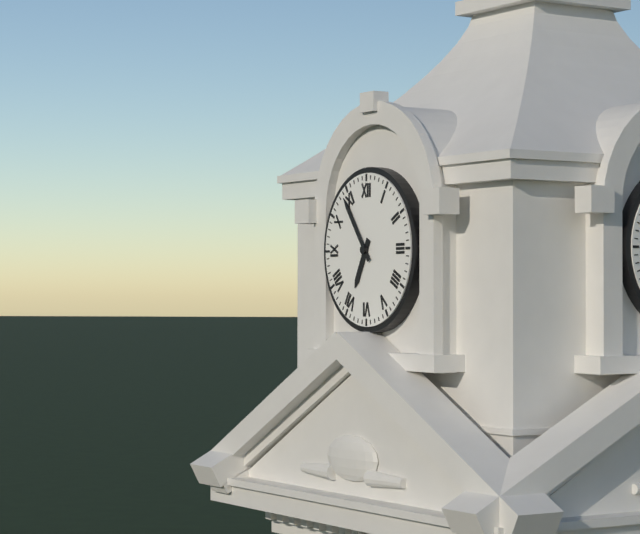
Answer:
{"hour": 6, "minute": 54}
